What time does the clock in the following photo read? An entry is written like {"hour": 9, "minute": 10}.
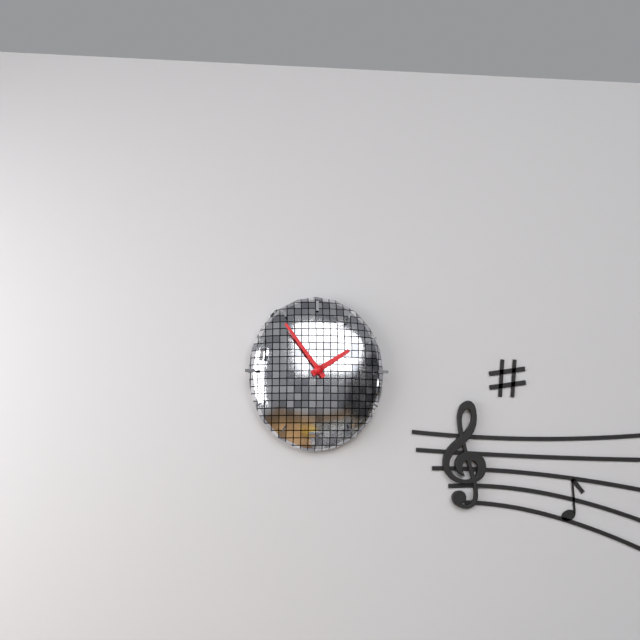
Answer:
{"hour": 1, "minute": 54}
